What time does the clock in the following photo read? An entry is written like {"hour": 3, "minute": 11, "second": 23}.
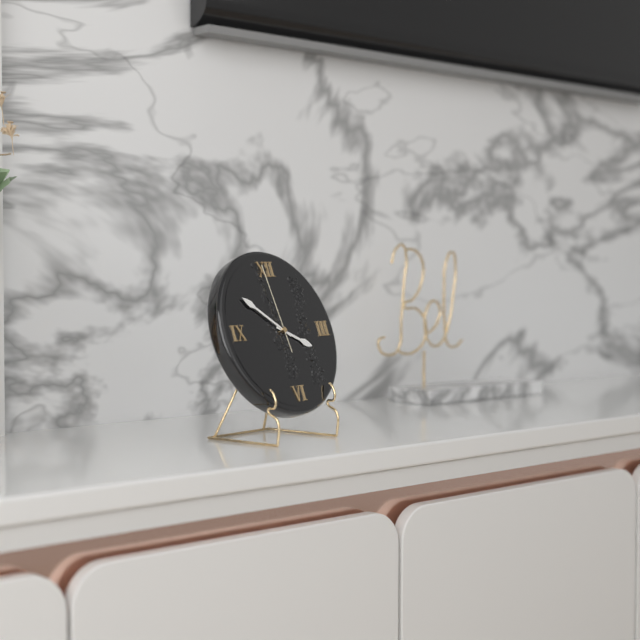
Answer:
{"hour": 3, "minute": 51, "second": 59}
